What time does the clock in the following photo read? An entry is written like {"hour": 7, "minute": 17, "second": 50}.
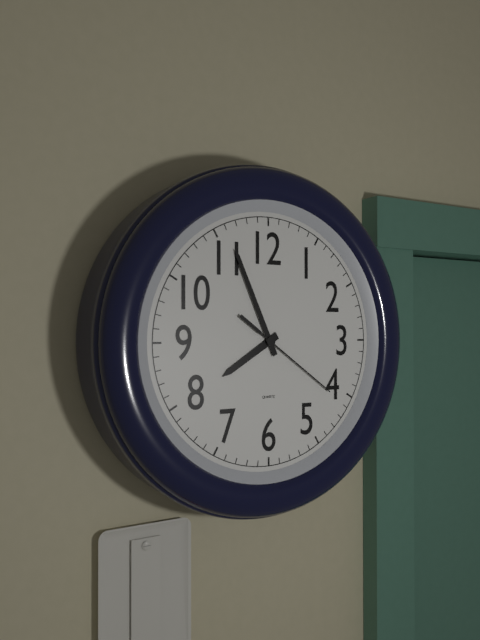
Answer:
{"hour": 7, "minute": 56, "second": 21}
